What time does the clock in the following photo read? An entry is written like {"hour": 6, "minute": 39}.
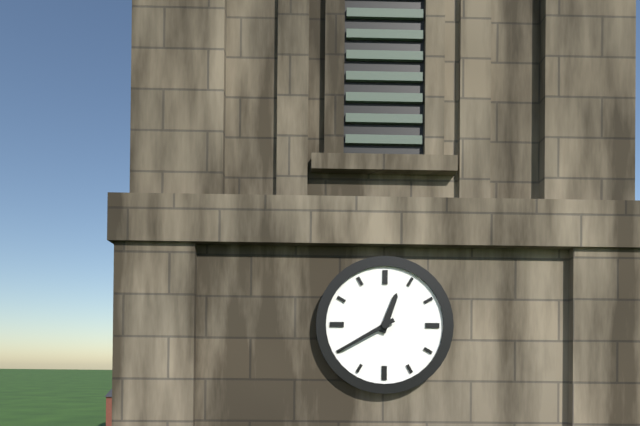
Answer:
{"hour": 12, "minute": 40}
